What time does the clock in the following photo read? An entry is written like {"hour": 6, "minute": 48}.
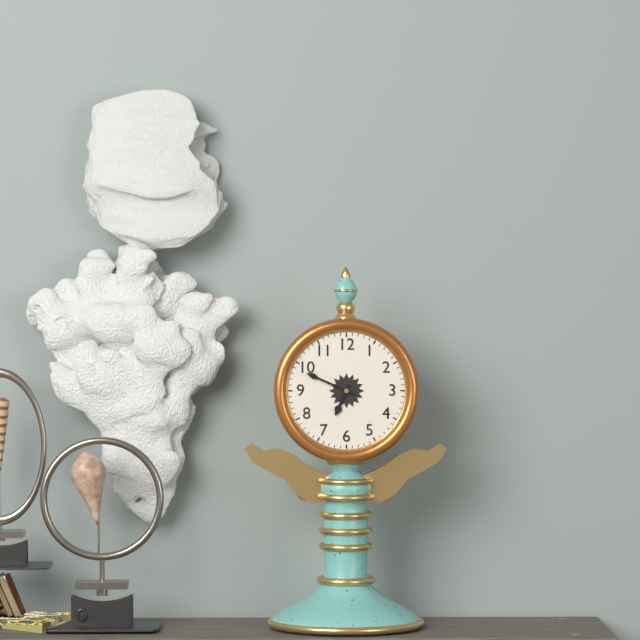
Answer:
{"hour": 6, "minute": 49}
